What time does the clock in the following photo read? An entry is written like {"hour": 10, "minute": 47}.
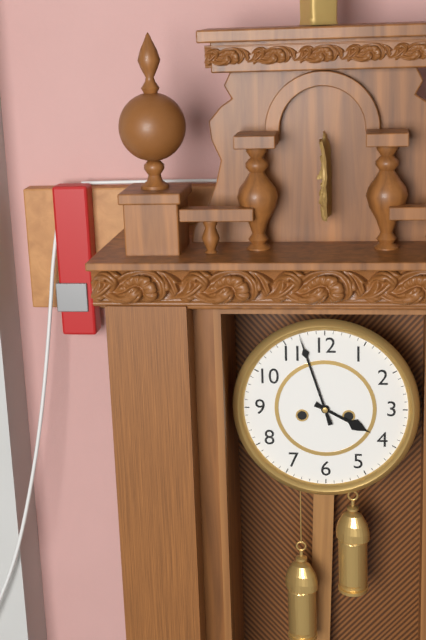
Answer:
{"hour": 3, "minute": 57}
